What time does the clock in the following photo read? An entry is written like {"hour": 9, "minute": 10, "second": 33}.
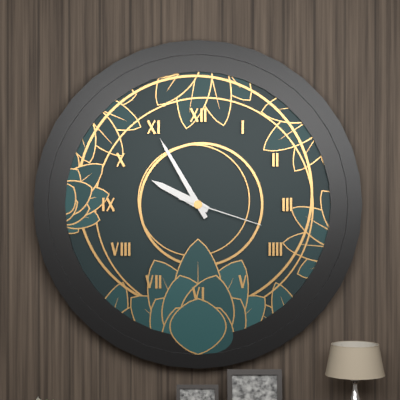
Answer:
{"hour": 9, "minute": 55, "second": 18}
